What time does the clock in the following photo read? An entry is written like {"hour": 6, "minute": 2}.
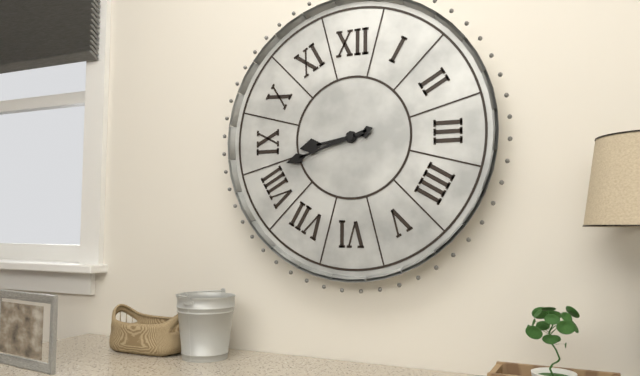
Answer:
{"hour": 8, "minute": 42}
